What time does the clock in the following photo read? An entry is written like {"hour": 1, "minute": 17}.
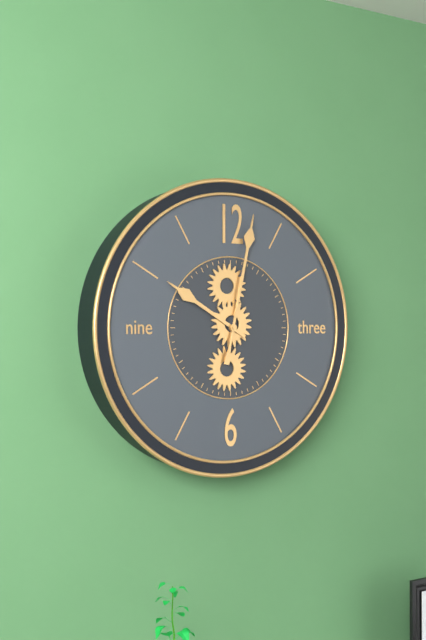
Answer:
{"hour": 10, "minute": 2}
